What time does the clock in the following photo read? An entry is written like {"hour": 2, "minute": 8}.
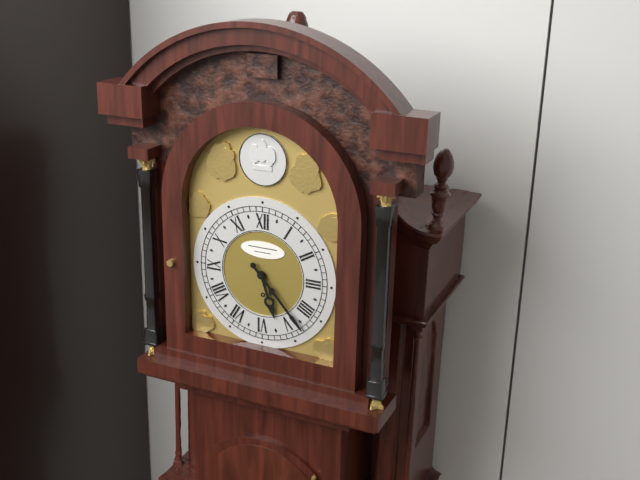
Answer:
{"hour": 5, "minute": 23}
